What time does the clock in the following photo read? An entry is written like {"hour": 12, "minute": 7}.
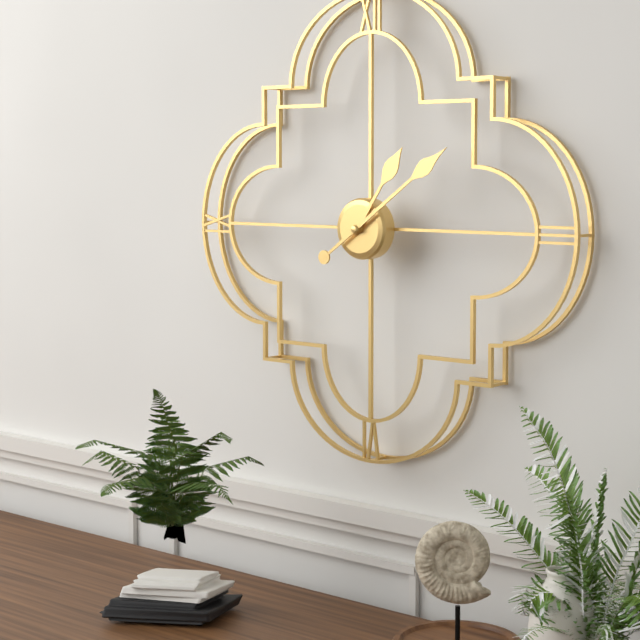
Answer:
{"hour": 1, "minute": 9}
